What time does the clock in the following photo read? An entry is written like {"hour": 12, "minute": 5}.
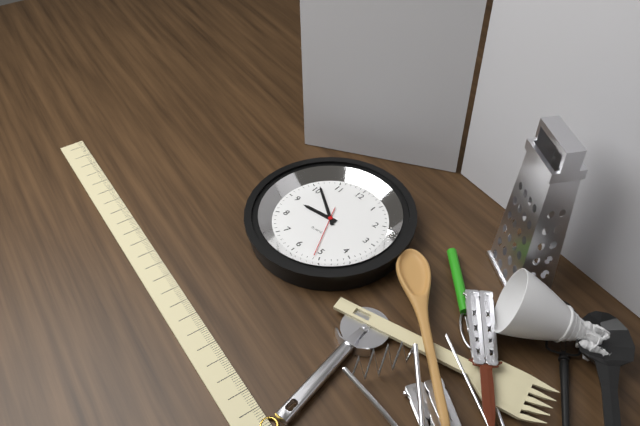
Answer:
{"hour": 8, "minute": 51}
